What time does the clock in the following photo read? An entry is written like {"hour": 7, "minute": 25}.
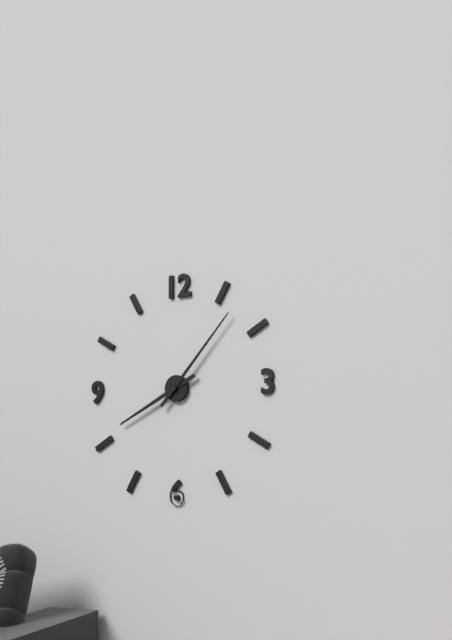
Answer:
{"hour": 8, "minute": 7}
